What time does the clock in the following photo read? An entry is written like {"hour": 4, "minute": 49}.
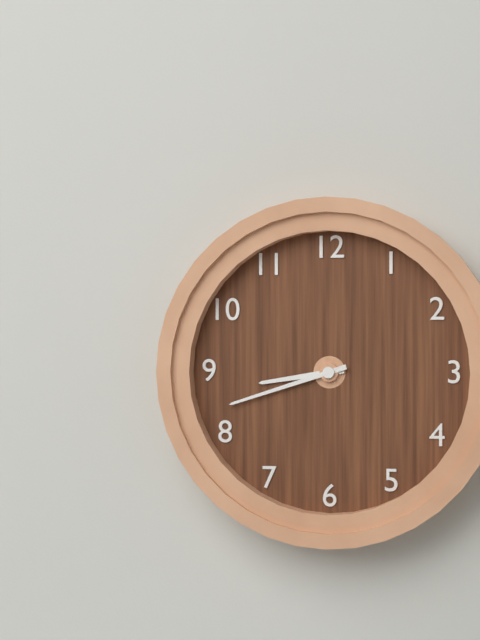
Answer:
{"hour": 8, "minute": 42}
